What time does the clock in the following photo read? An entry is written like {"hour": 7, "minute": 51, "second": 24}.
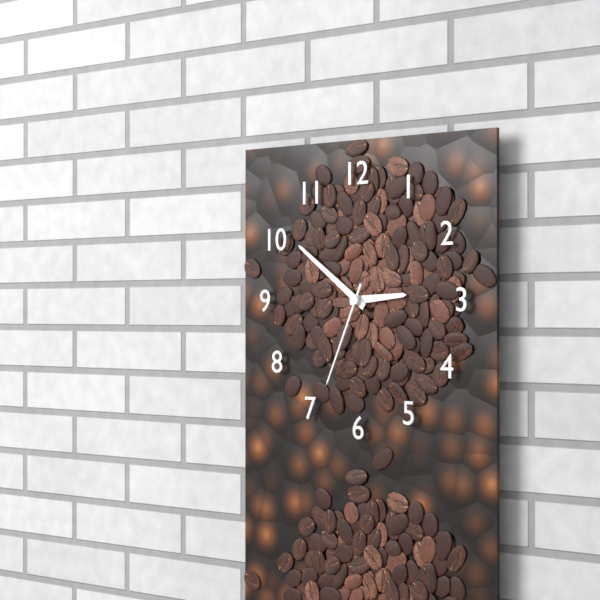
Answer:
{"hour": 2, "minute": 51, "second": 34}
